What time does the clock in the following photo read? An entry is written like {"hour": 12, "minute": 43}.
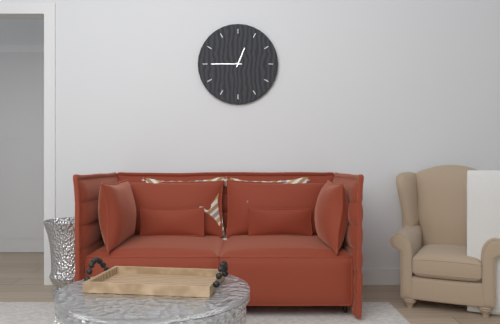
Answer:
{"hour": 12, "minute": 45}
